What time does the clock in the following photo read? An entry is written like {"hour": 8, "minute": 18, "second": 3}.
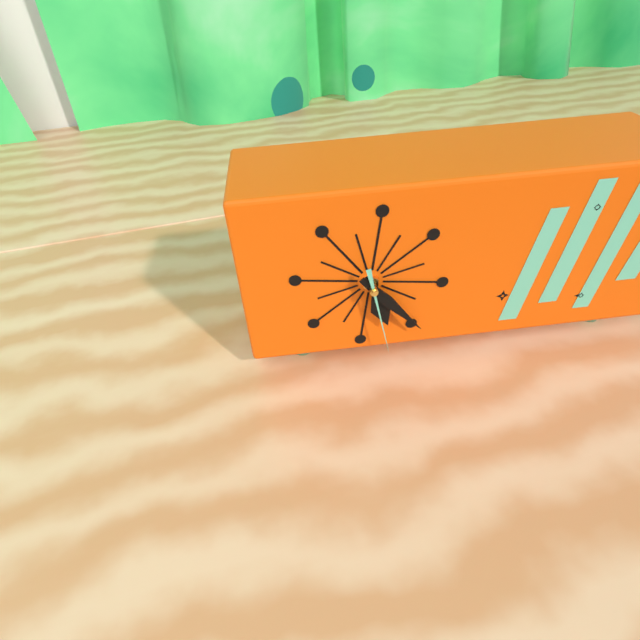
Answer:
{"hour": 5, "minute": 23, "second": 28}
